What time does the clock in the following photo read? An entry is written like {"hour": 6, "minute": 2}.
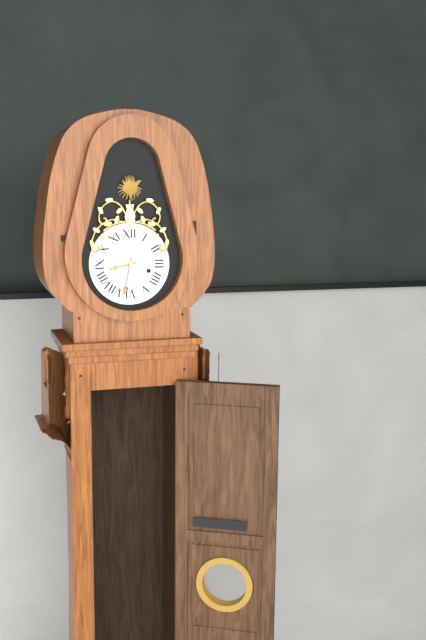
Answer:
{"hour": 8, "minute": 32}
